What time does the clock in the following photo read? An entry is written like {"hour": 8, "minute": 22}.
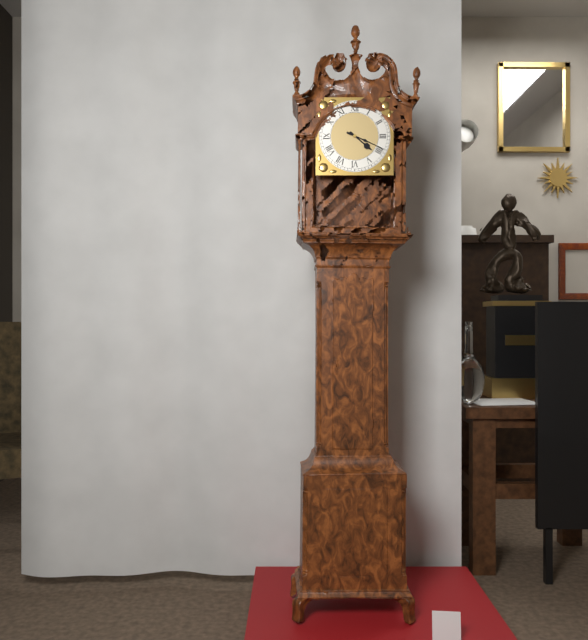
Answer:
{"hour": 4, "minute": 19}
